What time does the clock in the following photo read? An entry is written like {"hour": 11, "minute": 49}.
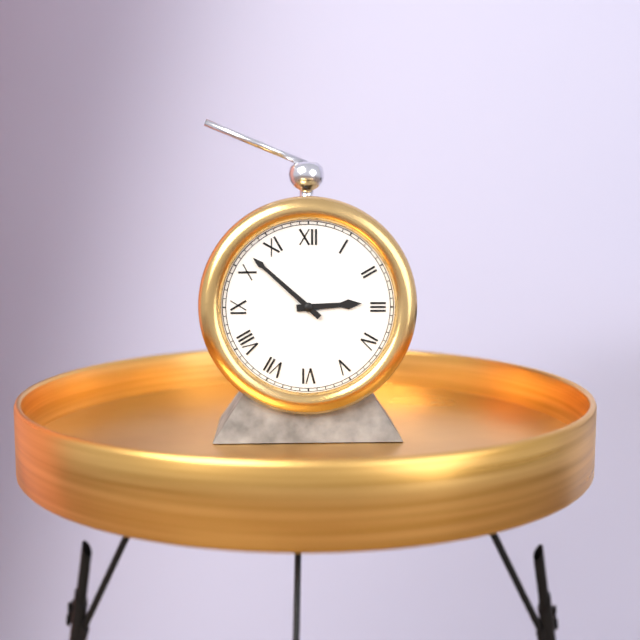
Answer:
{"hour": 2, "minute": 52}
